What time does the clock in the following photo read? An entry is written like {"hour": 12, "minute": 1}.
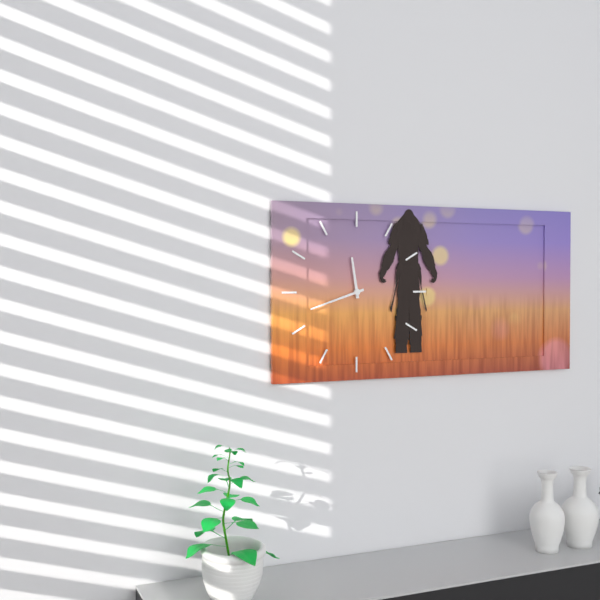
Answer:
{"hour": 11, "minute": 42}
